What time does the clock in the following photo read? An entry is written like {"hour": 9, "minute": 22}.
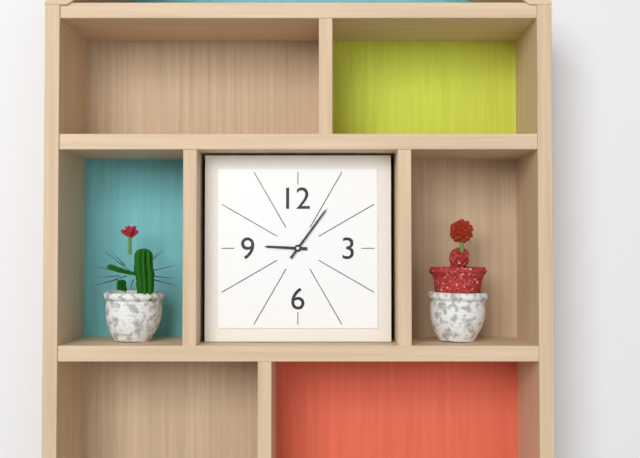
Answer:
{"hour": 9, "minute": 6}
